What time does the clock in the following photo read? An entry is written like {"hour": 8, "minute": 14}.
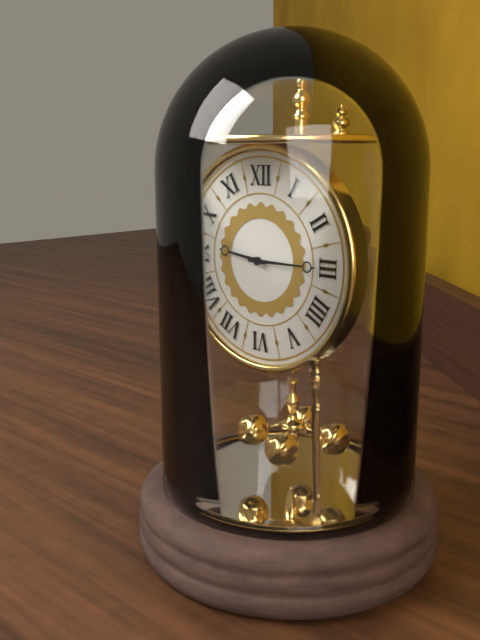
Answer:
{"hour": 9, "minute": 15}
